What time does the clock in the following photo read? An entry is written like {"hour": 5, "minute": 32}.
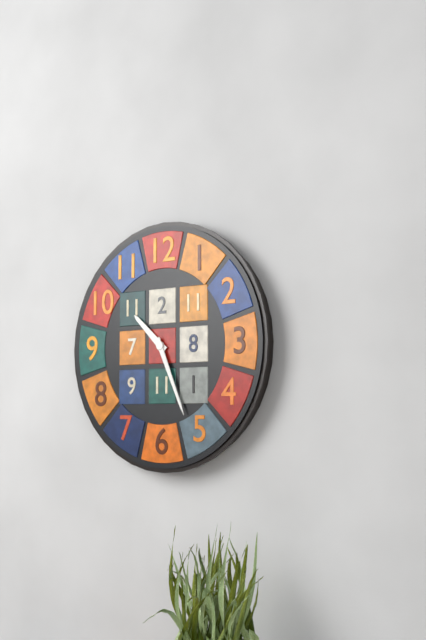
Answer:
{"hour": 10, "minute": 26}
